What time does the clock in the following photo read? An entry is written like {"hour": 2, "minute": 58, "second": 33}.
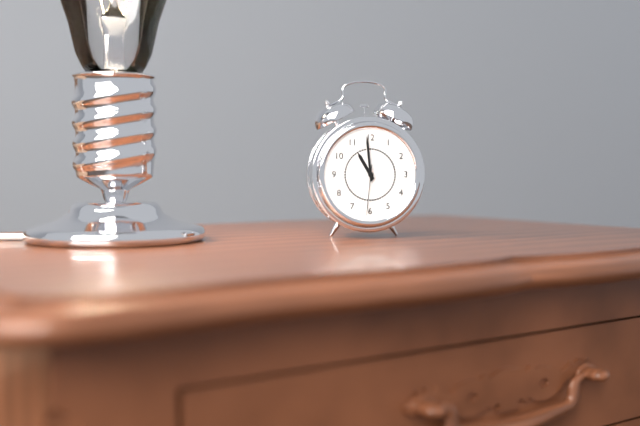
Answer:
{"hour": 10, "minute": 59, "second": 31}
